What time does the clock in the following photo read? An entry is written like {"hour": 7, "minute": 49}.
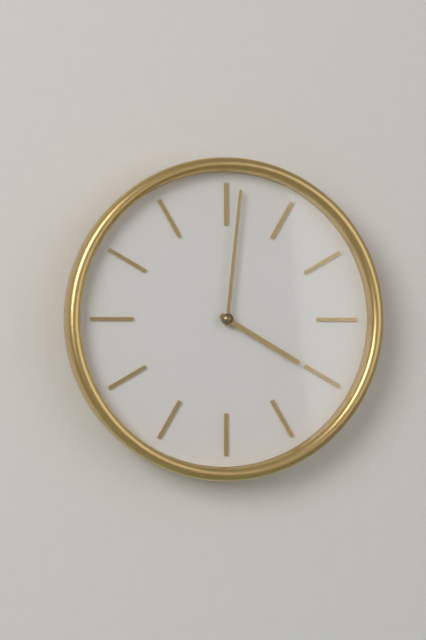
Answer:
{"hour": 4, "minute": 1}
